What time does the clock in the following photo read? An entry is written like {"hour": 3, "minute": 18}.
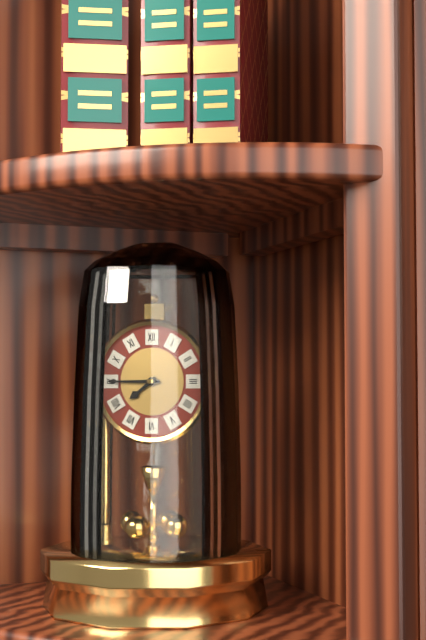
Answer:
{"hour": 7, "minute": 45}
